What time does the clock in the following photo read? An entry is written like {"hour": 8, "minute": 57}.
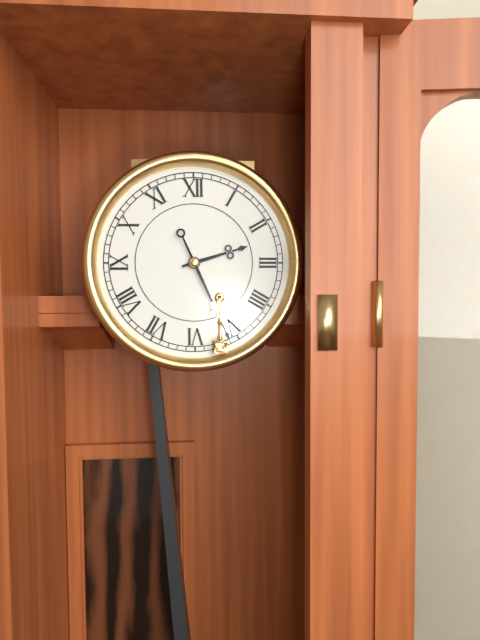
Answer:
{"hour": 2, "minute": 26}
